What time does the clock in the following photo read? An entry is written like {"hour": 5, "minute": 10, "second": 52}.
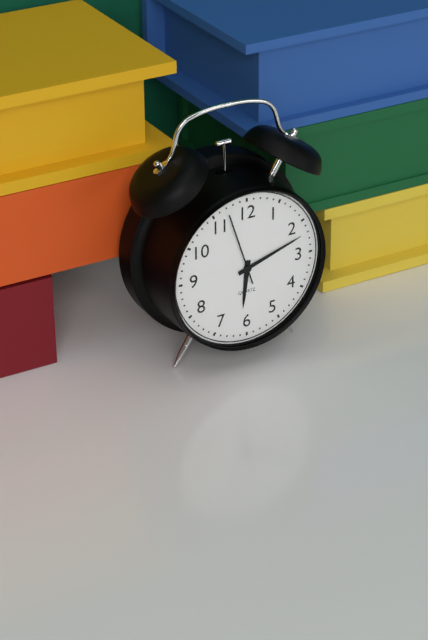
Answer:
{"hour": 6, "minute": 12, "second": 57}
